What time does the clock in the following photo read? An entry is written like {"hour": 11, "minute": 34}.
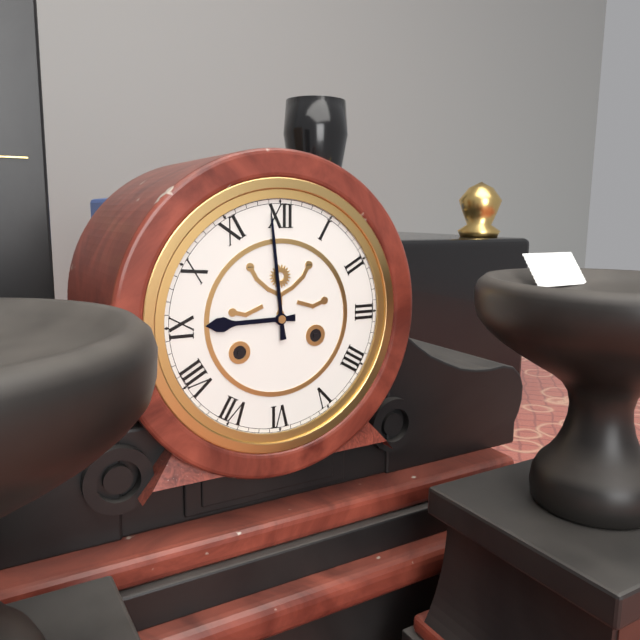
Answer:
{"hour": 8, "minute": 59}
